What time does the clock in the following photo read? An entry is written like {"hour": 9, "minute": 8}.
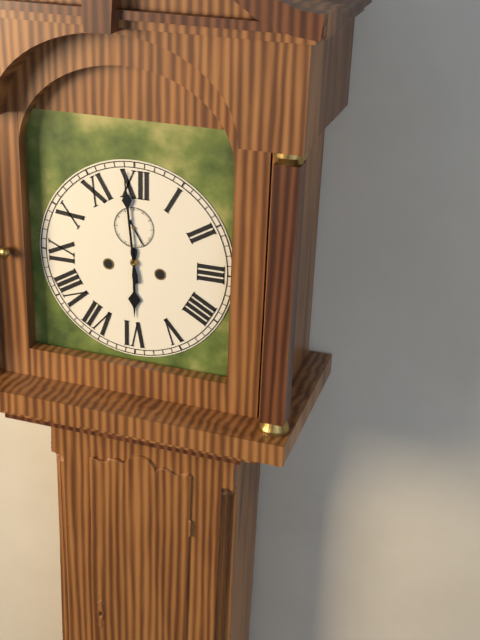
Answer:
{"hour": 5, "minute": 59}
